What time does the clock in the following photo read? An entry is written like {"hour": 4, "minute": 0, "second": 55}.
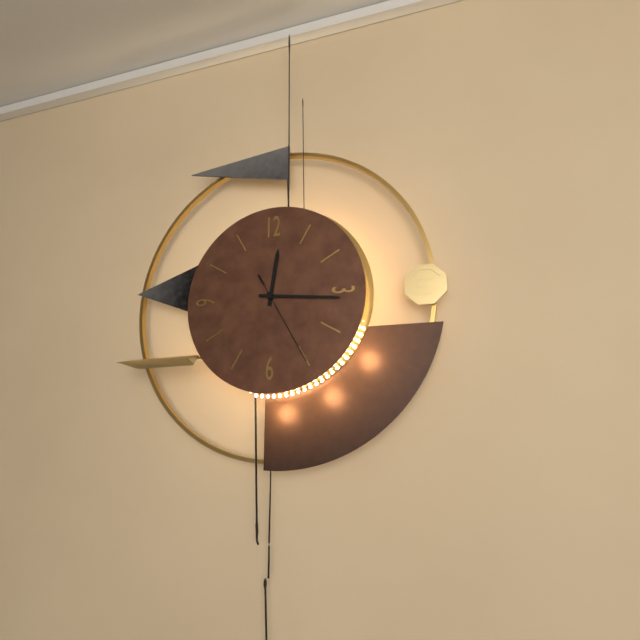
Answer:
{"hour": 12, "minute": 16, "second": 25}
